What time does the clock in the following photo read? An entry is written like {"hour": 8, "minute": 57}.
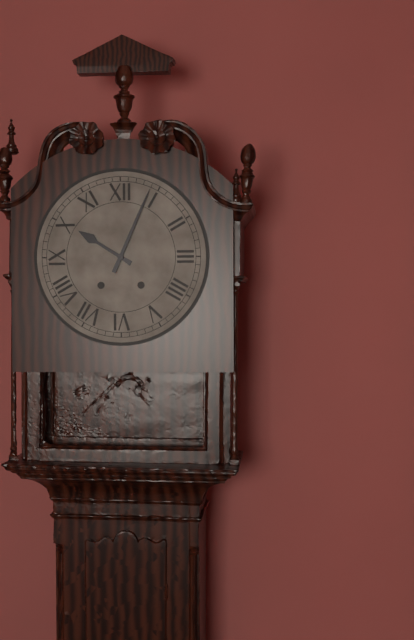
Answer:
{"hour": 10, "minute": 4}
